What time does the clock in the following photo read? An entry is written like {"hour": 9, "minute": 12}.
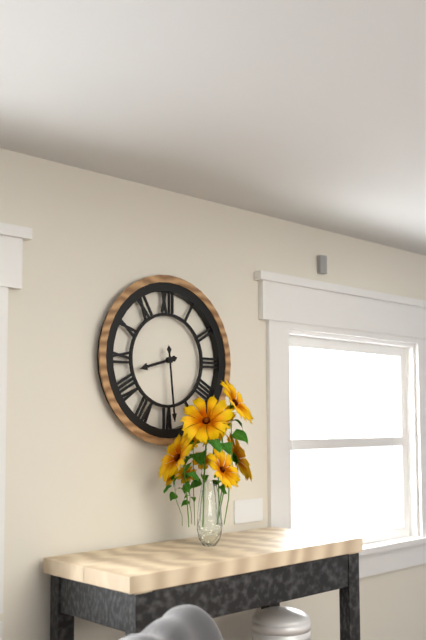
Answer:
{"hour": 8, "minute": 29}
